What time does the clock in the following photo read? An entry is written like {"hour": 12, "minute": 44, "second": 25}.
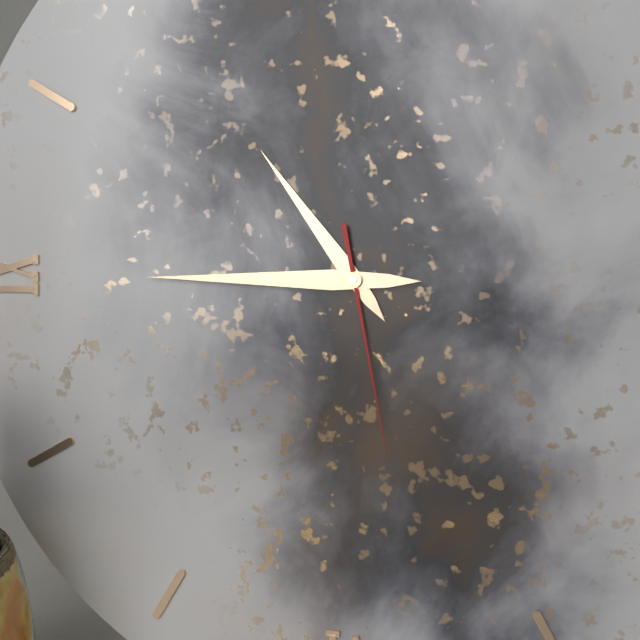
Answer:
{"hour": 10, "minute": 45, "second": 28}
